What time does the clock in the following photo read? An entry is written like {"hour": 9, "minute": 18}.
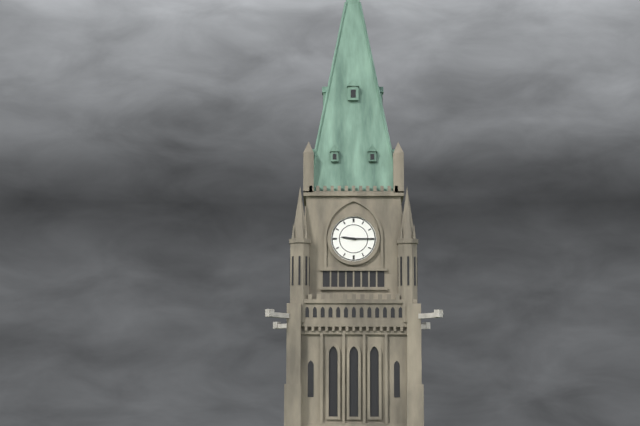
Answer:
{"hour": 9, "minute": 15}
